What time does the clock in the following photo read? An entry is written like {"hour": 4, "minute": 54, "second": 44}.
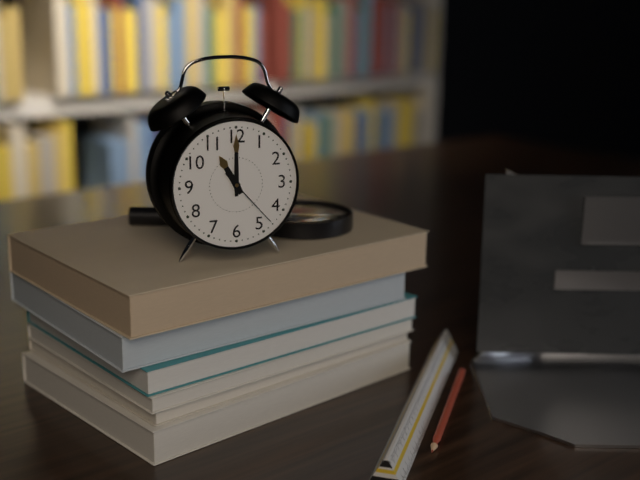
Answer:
{"hour": 11, "minute": 0, "second": 23}
